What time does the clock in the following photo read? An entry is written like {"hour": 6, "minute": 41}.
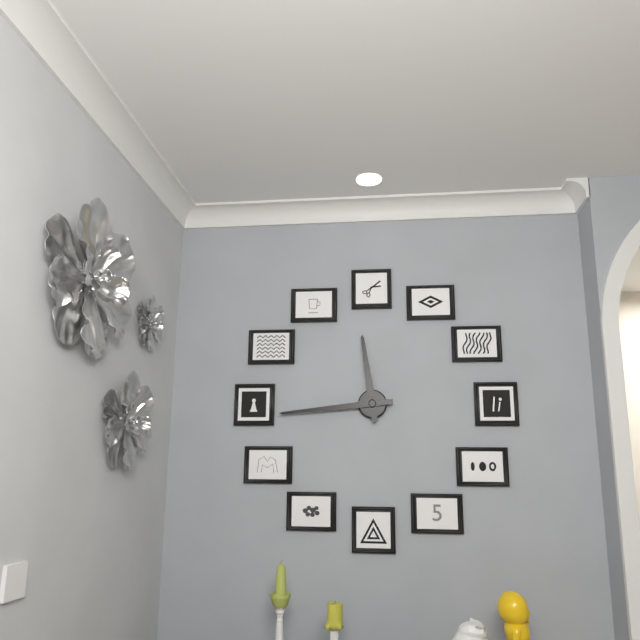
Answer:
{"hour": 11, "minute": 44}
